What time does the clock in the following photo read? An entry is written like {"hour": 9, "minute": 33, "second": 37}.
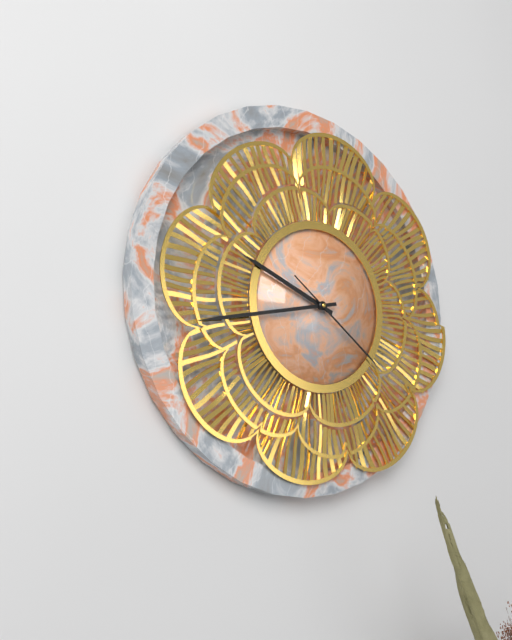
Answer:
{"hour": 9, "minute": 43, "second": 21}
